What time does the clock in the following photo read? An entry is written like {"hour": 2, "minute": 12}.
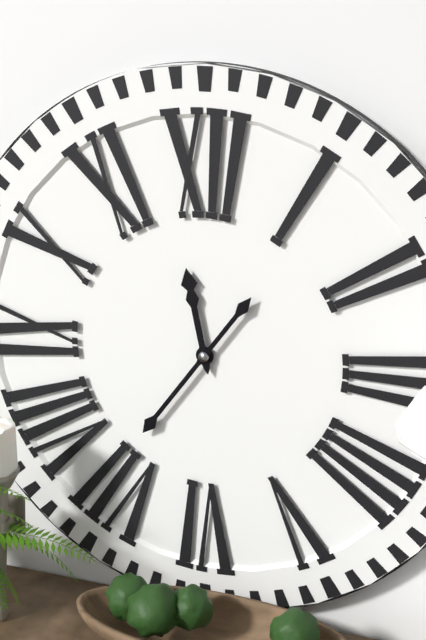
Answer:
{"hour": 11, "minute": 36}
